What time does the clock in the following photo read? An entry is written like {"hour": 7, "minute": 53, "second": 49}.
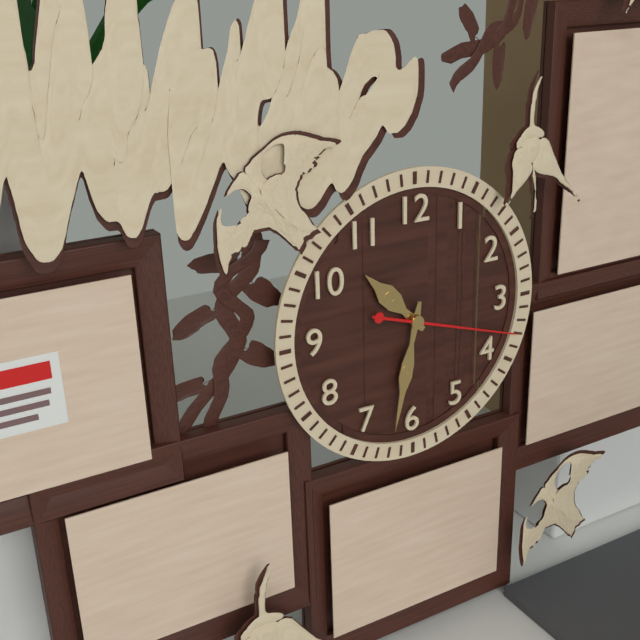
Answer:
{"hour": 10, "minute": 32, "second": 18}
